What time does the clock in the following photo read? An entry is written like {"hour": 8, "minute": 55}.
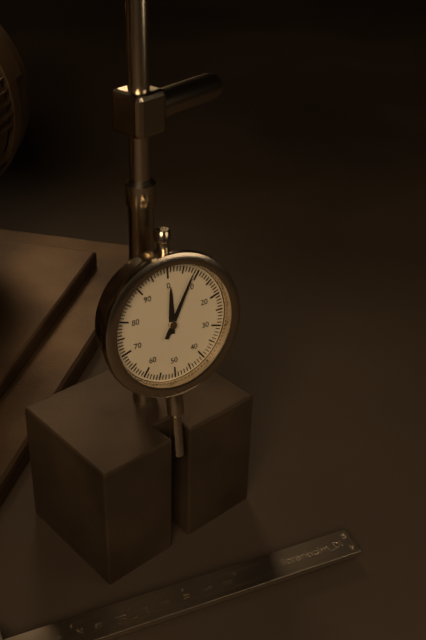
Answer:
{"hour": 12, "minute": 5}
